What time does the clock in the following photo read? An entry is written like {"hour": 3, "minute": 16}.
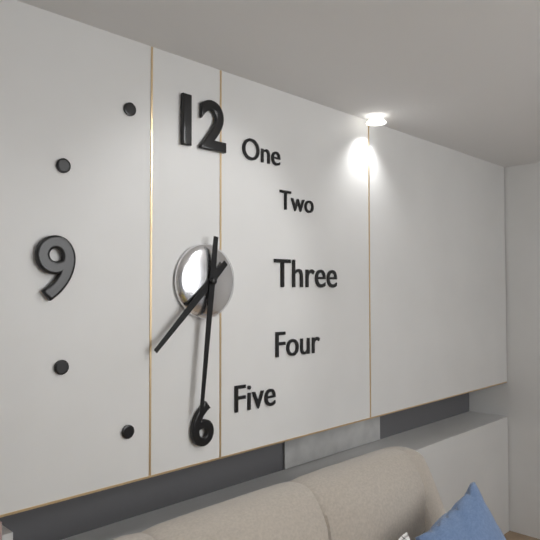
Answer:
{"hour": 7, "minute": 31}
